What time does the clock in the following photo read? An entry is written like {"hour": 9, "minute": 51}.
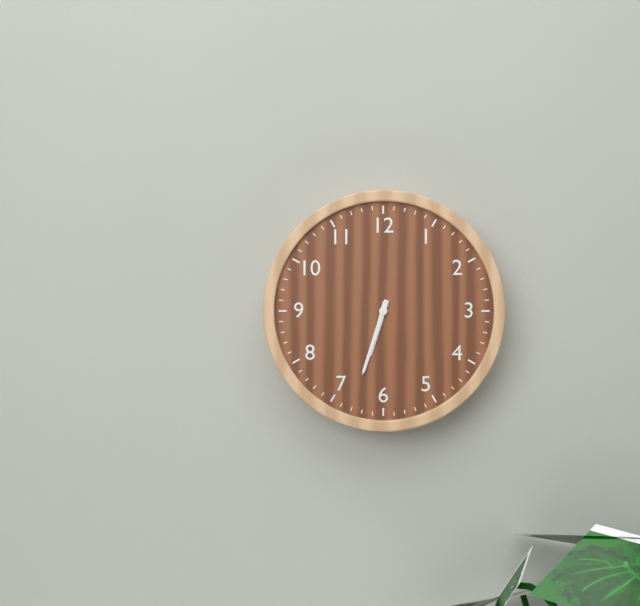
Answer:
{"hour": 6, "minute": 33}
